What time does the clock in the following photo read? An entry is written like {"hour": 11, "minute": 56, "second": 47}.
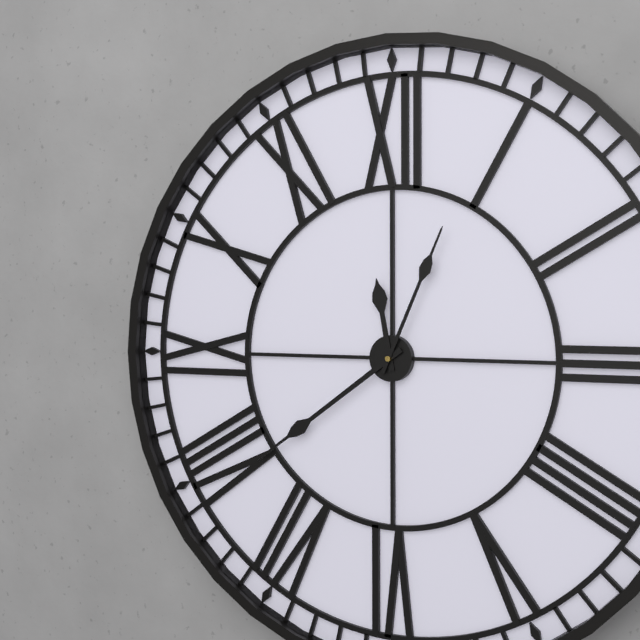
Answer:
{"hour": 11, "minute": 39, "second": 4}
